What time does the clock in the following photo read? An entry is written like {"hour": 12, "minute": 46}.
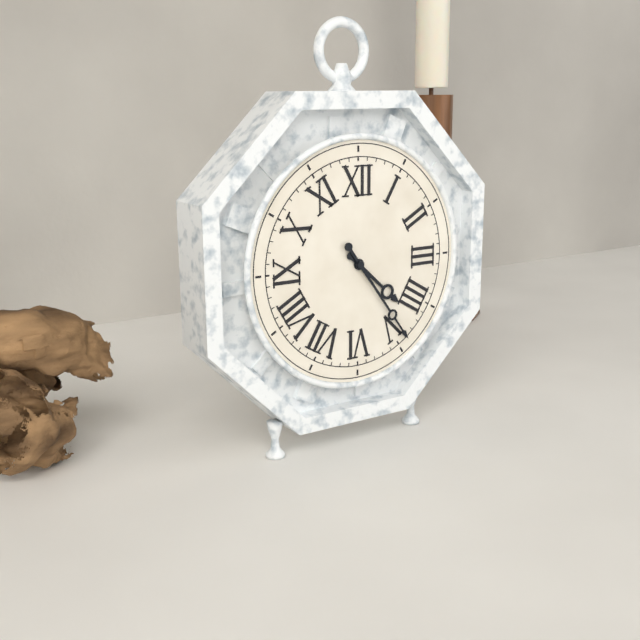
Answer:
{"hour": 4, "minute": 24}
